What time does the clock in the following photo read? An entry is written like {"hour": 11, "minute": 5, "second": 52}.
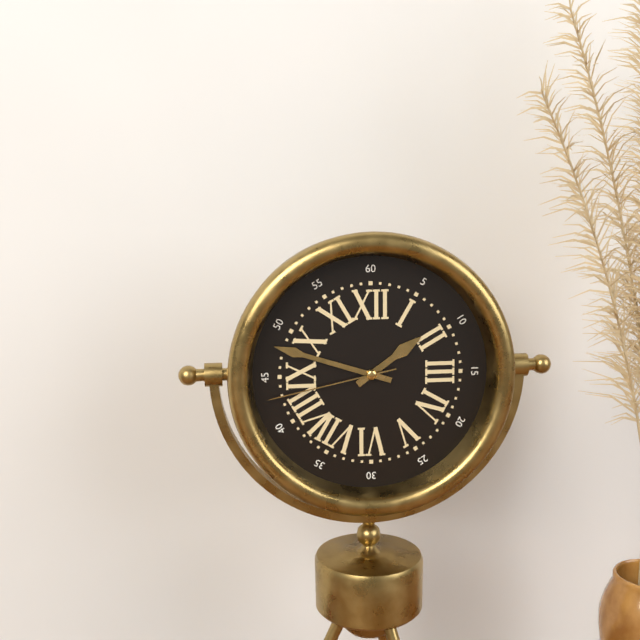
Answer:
{"hour": 1, "minute": 48, "second": 43}
